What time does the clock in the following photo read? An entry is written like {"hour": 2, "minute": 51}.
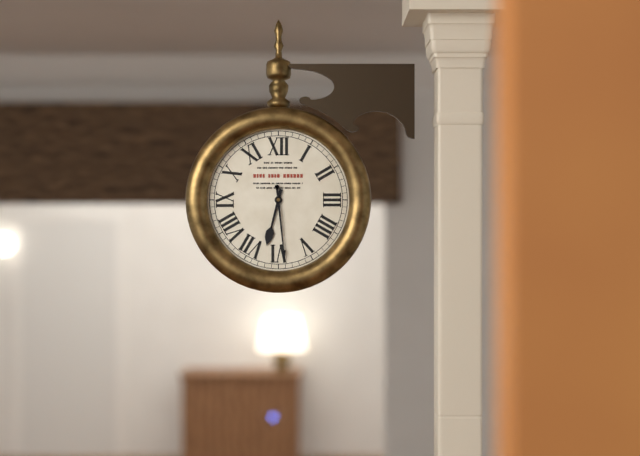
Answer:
{"hour": 6, "minute": 29}
